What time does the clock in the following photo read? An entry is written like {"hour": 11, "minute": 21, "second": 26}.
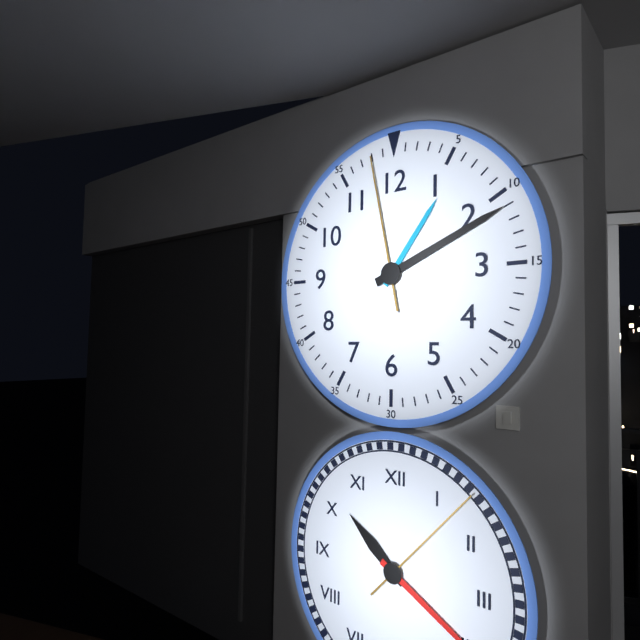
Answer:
{"hour": 1, "minute": 11, "second": 58}
